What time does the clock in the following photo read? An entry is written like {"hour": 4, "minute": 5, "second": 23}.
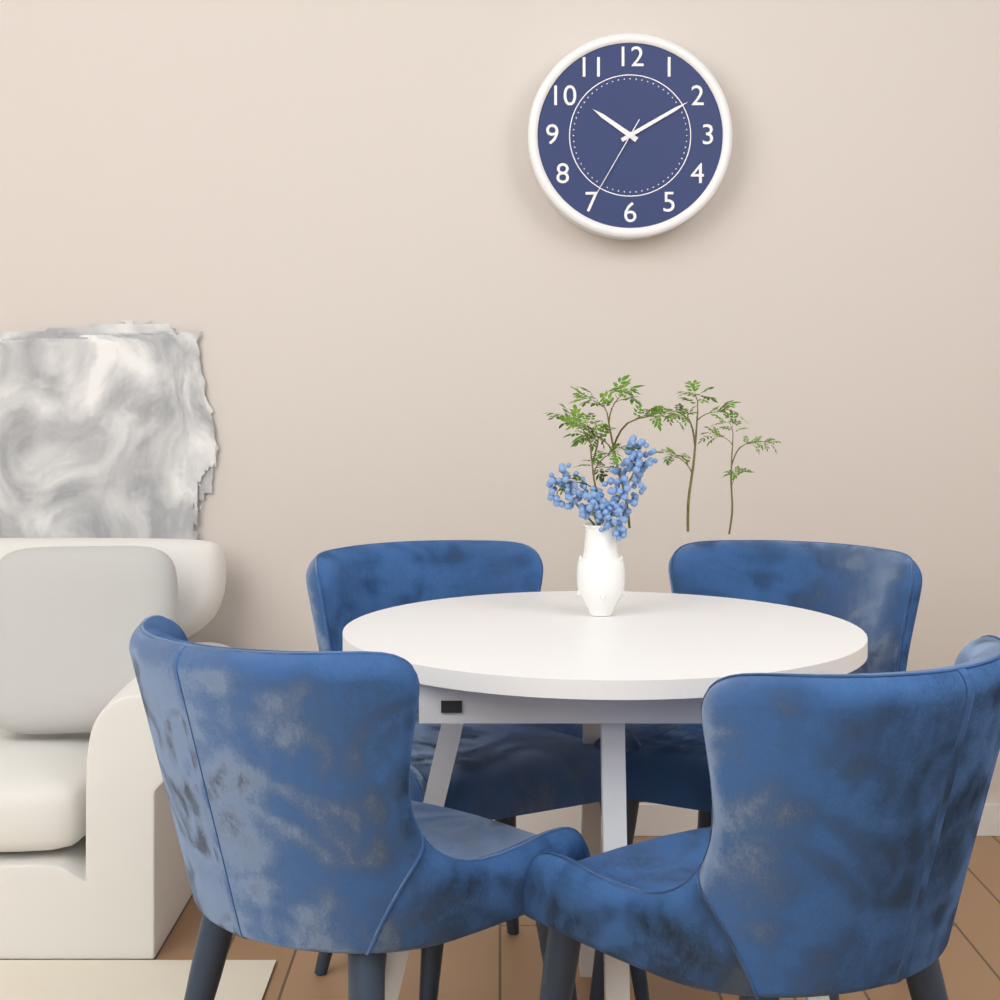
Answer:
{"hour": 10, "minute": 10, "second": 35}
